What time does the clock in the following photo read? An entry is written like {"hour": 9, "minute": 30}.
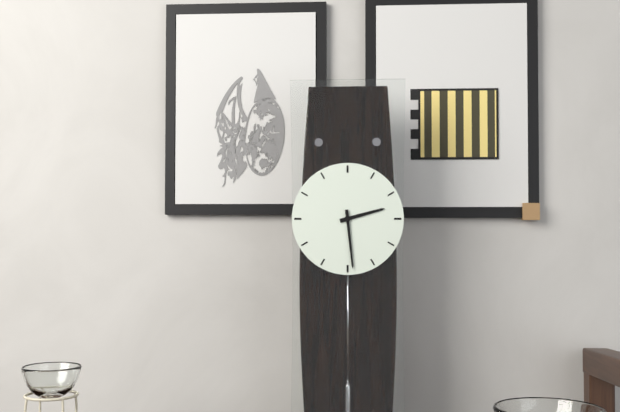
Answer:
{"hour": 2, "minute": 29}
